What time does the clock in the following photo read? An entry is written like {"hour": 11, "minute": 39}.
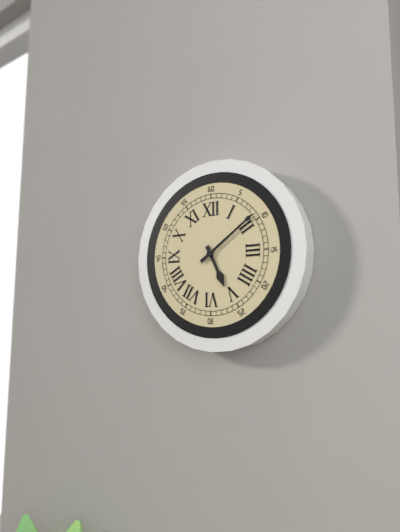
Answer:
{"hour": 5, "minute": 9}
